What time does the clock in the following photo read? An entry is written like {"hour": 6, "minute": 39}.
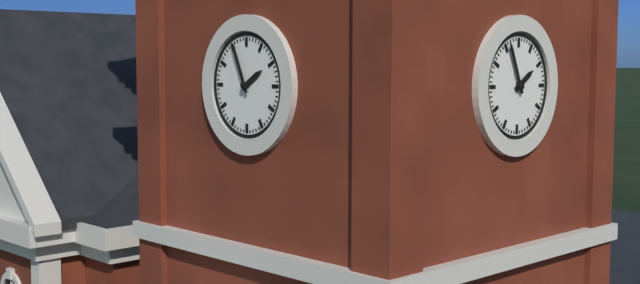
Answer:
{"hour": 1, "minute": 56}
